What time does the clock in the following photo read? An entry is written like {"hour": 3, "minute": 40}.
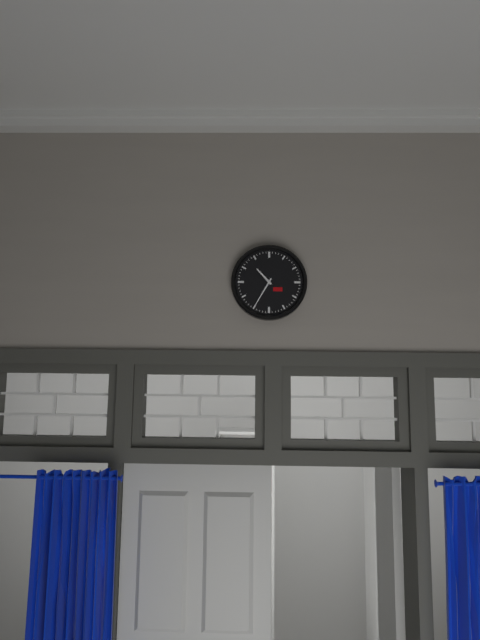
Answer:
{"hour": 10, "minute": 35}
